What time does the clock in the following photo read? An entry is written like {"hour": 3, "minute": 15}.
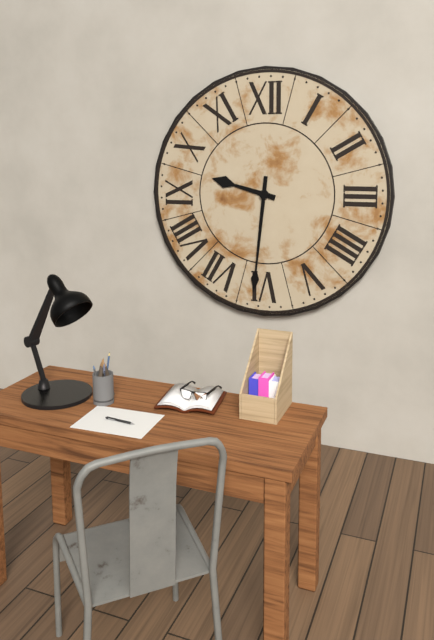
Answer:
{"hour": 9, "minute": 31}
